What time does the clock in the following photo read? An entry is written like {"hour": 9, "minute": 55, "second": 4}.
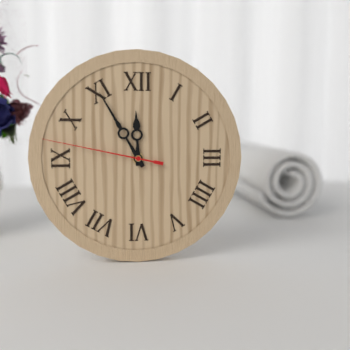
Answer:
{"hour": 11, "minute": 55, "second": 47}
